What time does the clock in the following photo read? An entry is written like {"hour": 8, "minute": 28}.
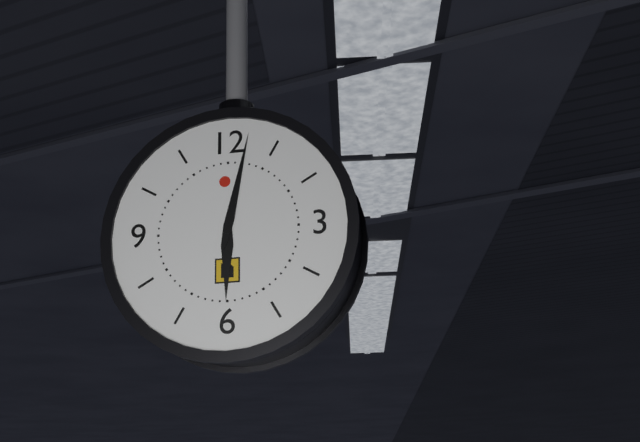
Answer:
{"hour": 6, "minute": 2}
